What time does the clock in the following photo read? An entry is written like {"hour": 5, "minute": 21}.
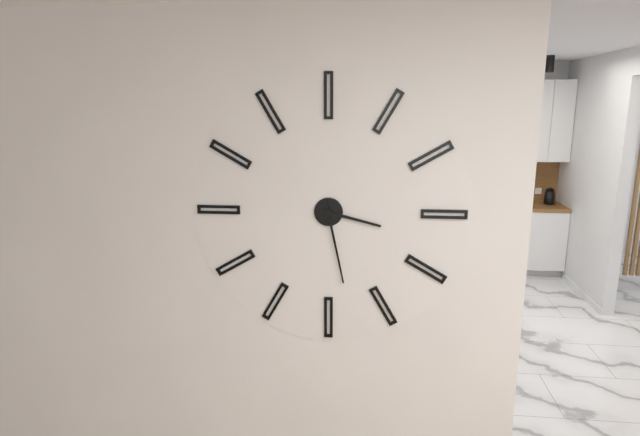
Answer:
{"hour": 3, "minute": 28}
